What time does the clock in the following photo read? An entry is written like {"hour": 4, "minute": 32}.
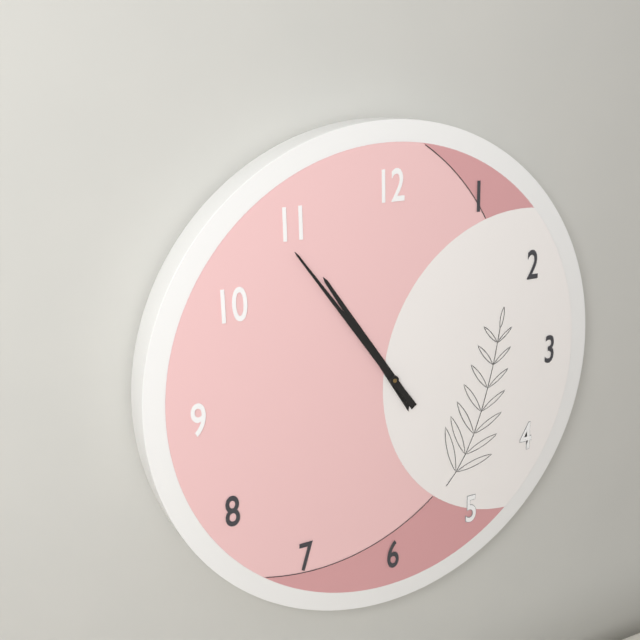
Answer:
{"hour": 10, "minute": 54}
